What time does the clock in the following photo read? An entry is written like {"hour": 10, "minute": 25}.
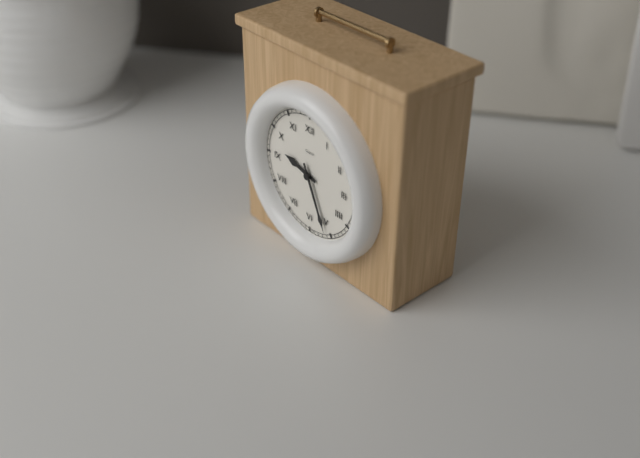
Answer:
{"hour": 9, "minute": 26}
